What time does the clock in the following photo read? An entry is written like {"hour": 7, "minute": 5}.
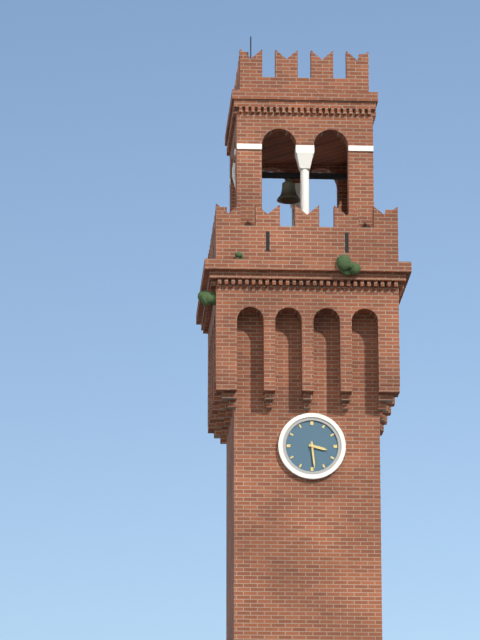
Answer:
{"hour": 3, "minute": 29}
